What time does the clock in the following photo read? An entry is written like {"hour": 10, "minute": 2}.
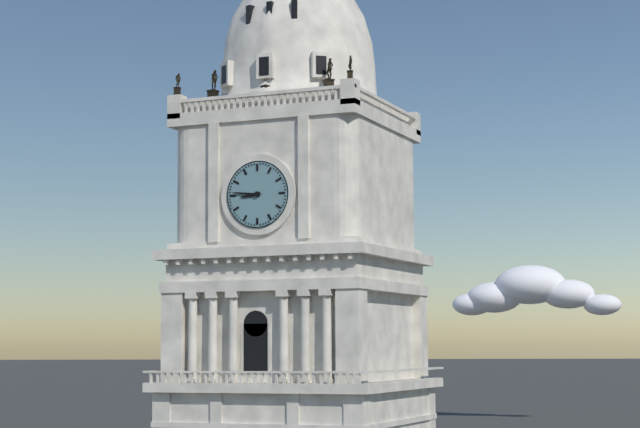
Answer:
{"hour": 8, "minute": 46}
